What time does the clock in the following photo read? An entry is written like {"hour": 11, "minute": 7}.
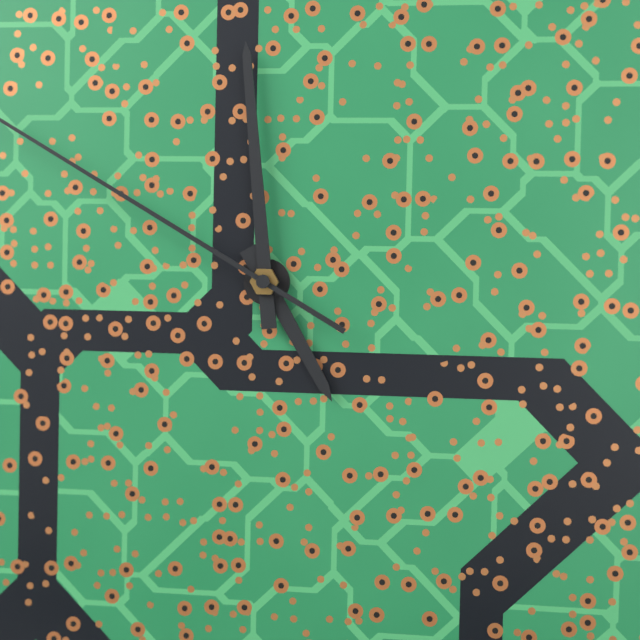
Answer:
{"hour": 4, "minute": 59}
